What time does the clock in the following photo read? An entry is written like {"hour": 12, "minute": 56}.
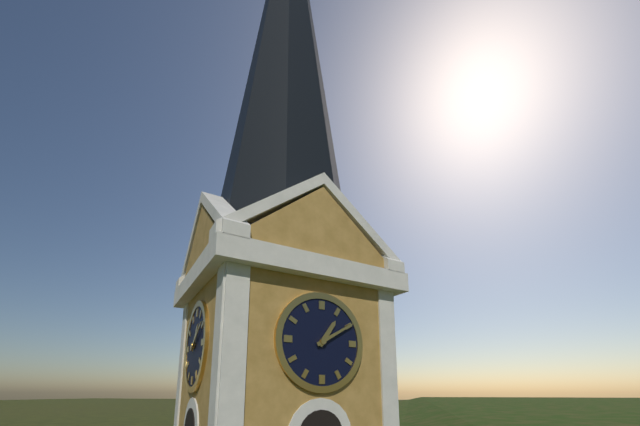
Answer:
{"hour": 1, "minute": 10}
